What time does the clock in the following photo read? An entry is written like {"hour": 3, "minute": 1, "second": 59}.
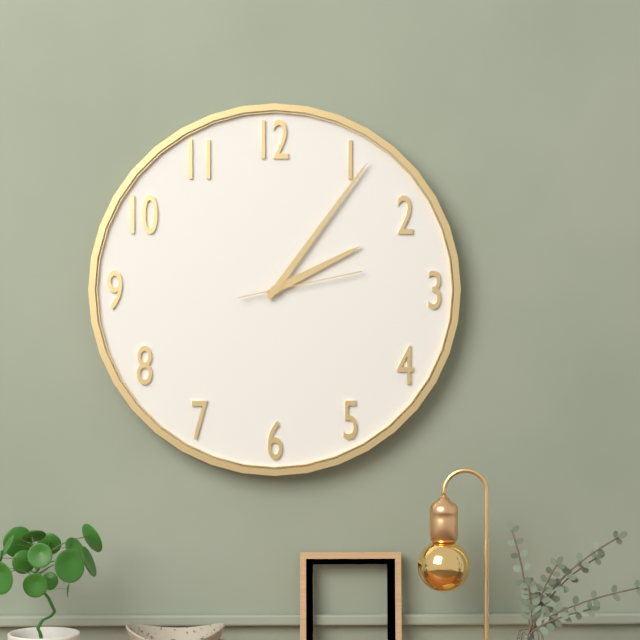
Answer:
{"hour": 2, "minute": 6, "second": 13}
